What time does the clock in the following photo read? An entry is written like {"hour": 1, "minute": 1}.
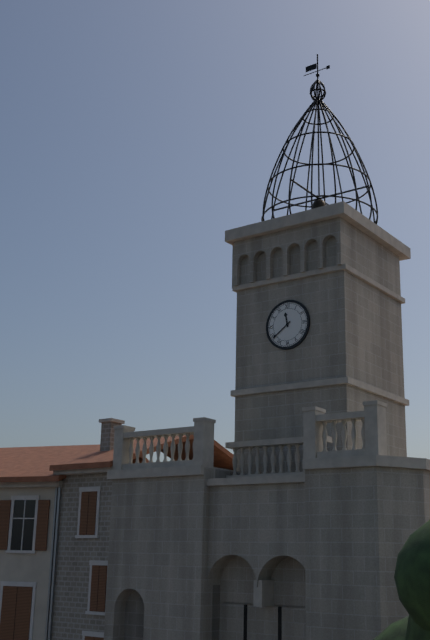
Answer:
{"hour": 11, "minute": 39}
